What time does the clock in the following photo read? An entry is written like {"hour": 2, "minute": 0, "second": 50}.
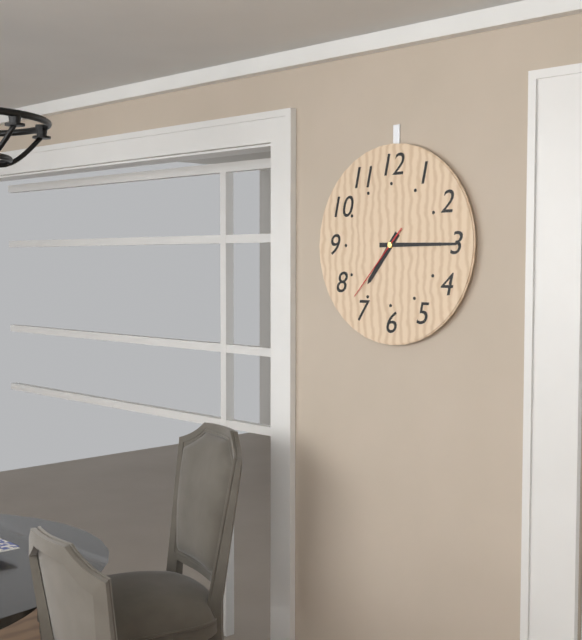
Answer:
{"hour": 7, "minute": 15, "second": 37}
